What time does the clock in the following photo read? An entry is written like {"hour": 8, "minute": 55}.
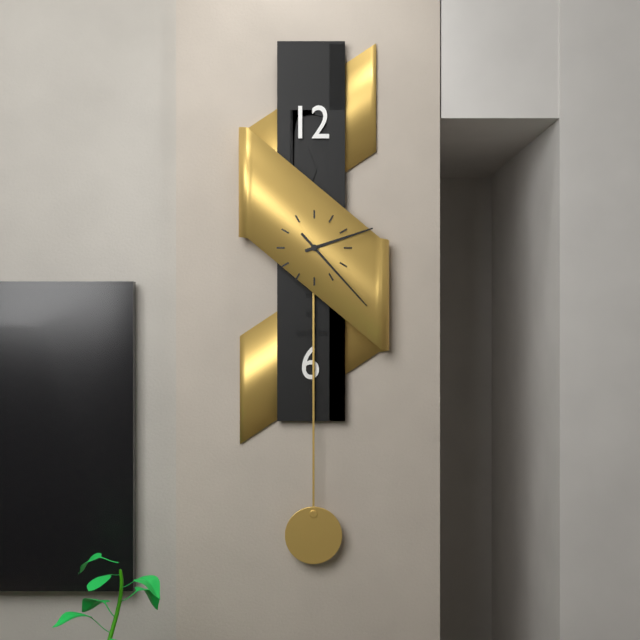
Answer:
{"hour": 2, "minute": 23}
